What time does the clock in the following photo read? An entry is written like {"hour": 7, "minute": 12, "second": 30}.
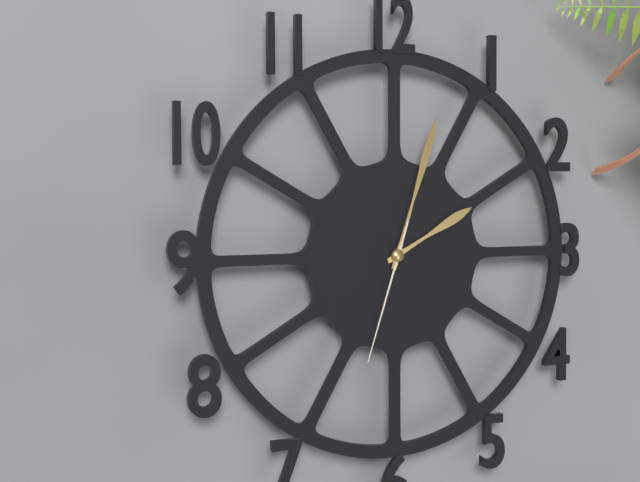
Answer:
{"hour": 2, "minute": 3, "second": 33}
